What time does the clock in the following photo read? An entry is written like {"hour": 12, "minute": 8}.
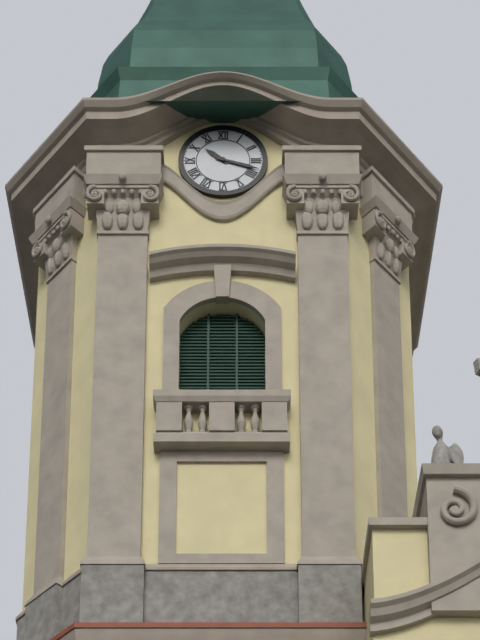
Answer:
{"hour": 10, "minute": 18}
